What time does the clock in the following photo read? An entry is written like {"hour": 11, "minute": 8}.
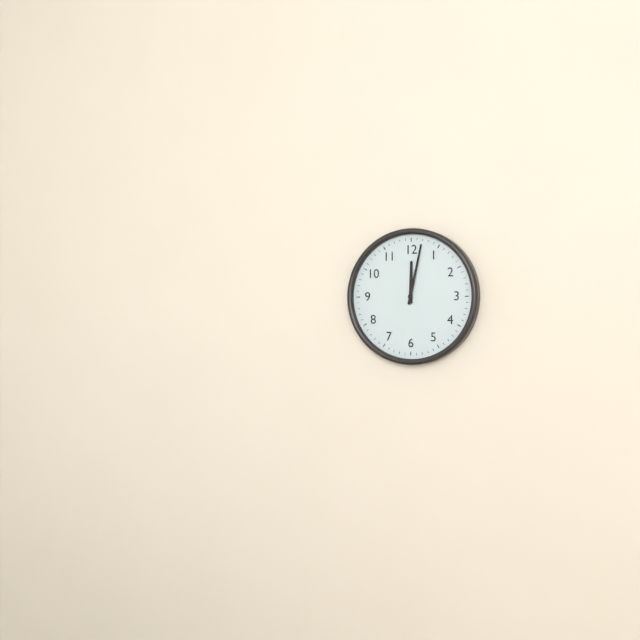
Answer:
{"hour": 12, "minute": 2}
